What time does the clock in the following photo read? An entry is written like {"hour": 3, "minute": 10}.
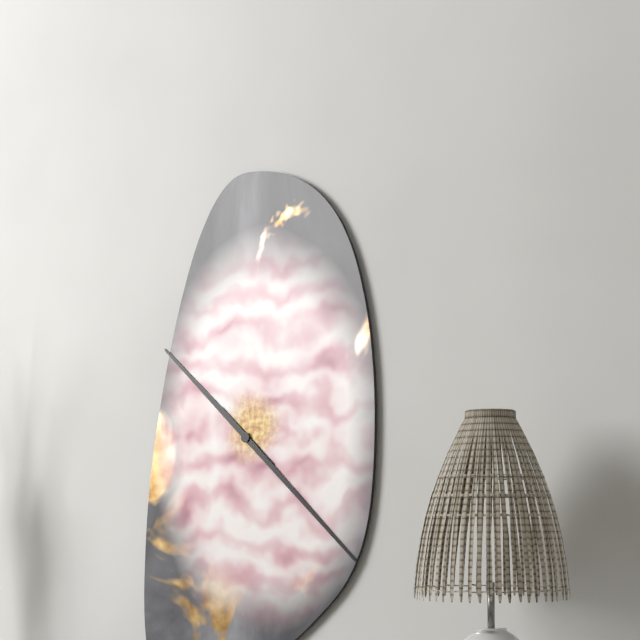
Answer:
{"hour": 10, "minute": 22}
